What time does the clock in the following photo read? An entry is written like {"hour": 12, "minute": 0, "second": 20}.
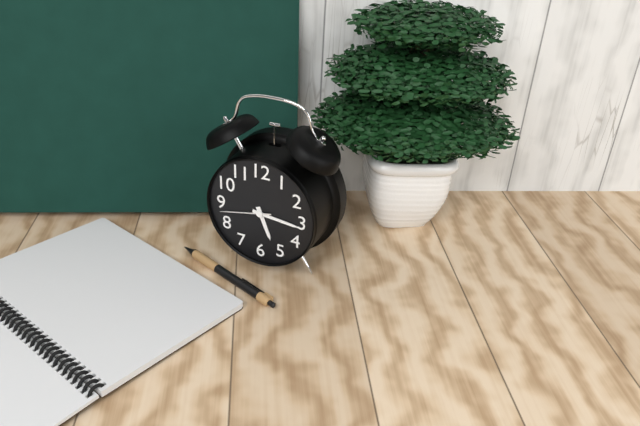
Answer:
{"hour": 5, "minute": 16, "second": 43}
